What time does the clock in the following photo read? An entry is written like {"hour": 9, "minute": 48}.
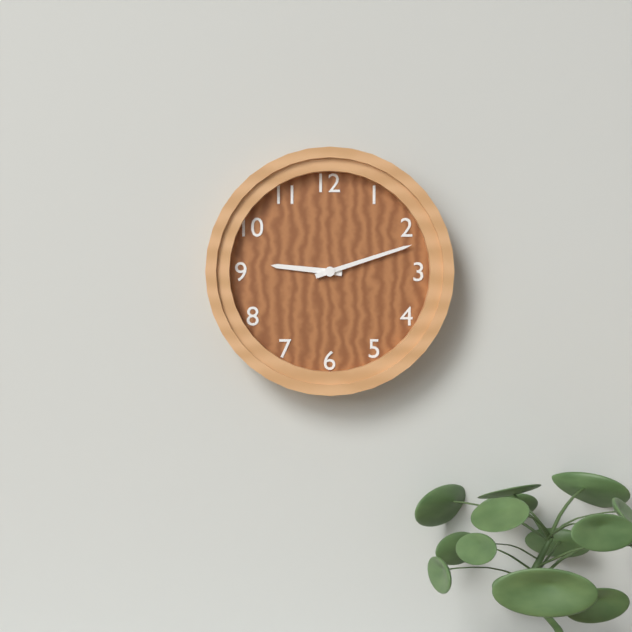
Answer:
{"hour": 9, "minute": 12}
